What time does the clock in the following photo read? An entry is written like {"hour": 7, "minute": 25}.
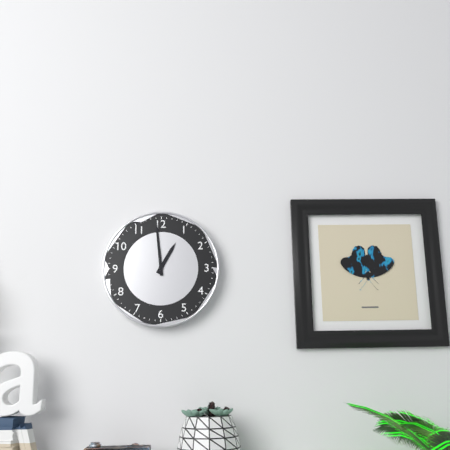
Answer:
{"hour": 12, "minute": 59}
